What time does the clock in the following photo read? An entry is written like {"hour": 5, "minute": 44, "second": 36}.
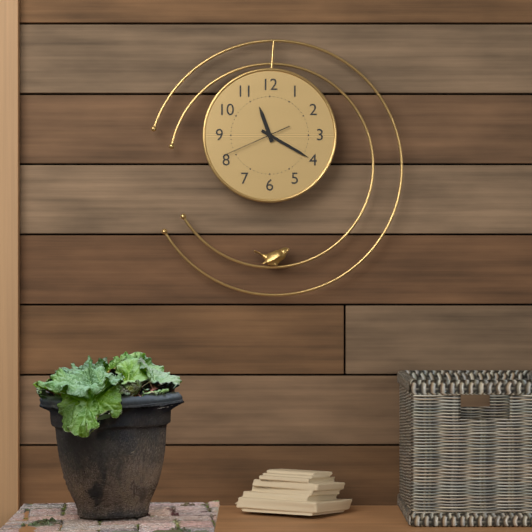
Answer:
{"hour": 11, "minute": 20, "second": 41}
